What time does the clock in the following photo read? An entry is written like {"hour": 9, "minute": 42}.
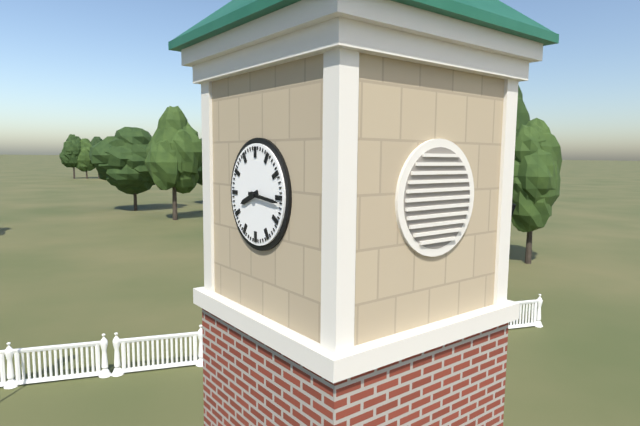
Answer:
{"hour": 8, "minute": 16}
